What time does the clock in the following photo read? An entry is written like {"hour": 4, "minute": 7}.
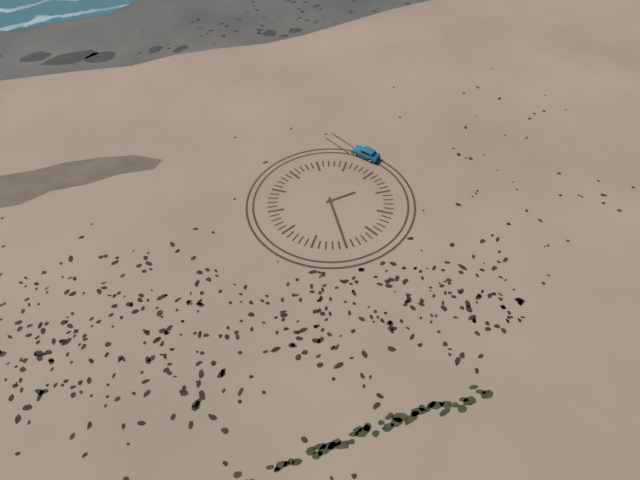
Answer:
{"hour": 3, "minute": 35}
